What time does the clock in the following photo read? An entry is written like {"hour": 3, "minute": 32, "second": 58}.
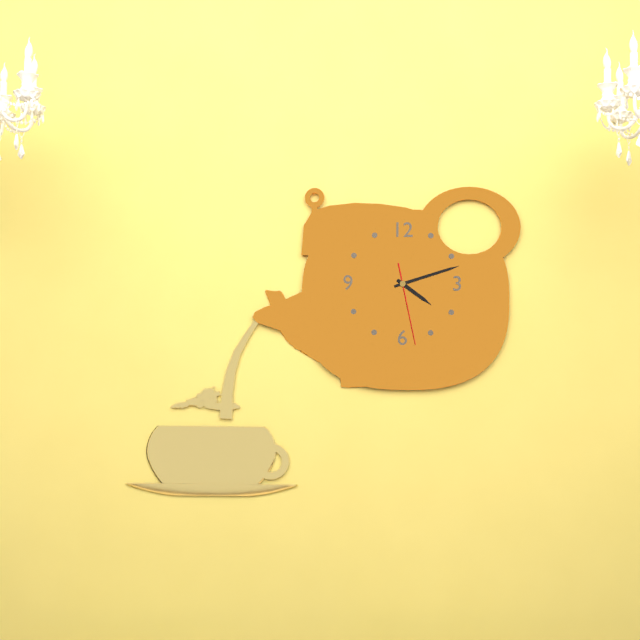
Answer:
{"hour": 4, "minute": 12, "second": 28}
